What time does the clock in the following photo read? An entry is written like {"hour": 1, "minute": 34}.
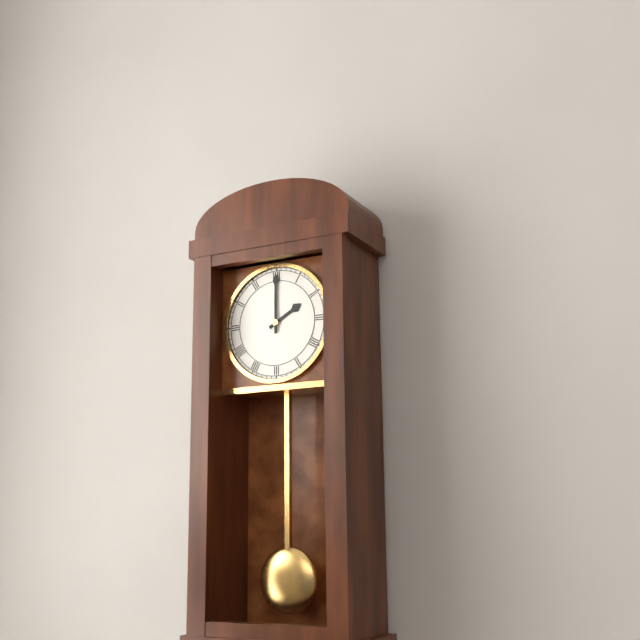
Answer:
{"hour": 2, "minute": 0}
